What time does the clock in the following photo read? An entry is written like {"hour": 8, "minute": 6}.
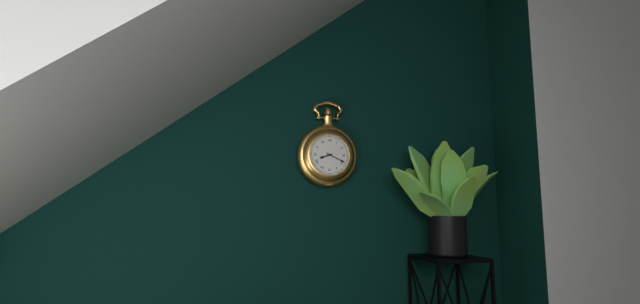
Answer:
{"hour": 8, "minute": 19}
